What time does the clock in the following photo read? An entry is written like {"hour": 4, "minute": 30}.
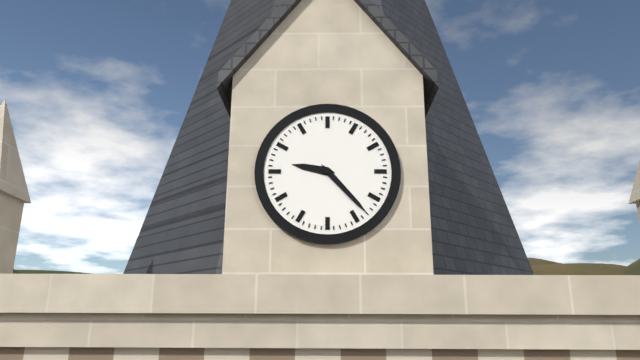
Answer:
{"hour": 9, "minute": 23}
